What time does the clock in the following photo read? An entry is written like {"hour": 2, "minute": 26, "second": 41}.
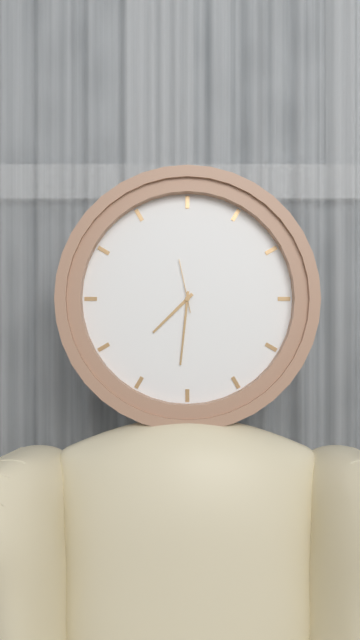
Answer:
{"hour": 7, "minute": 31, "second": 58}
